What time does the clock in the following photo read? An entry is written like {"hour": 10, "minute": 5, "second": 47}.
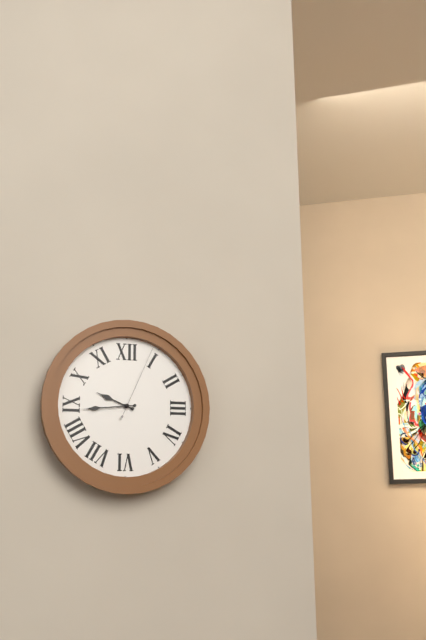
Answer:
{"hour": 9, "minute": 44, "second": 4}
